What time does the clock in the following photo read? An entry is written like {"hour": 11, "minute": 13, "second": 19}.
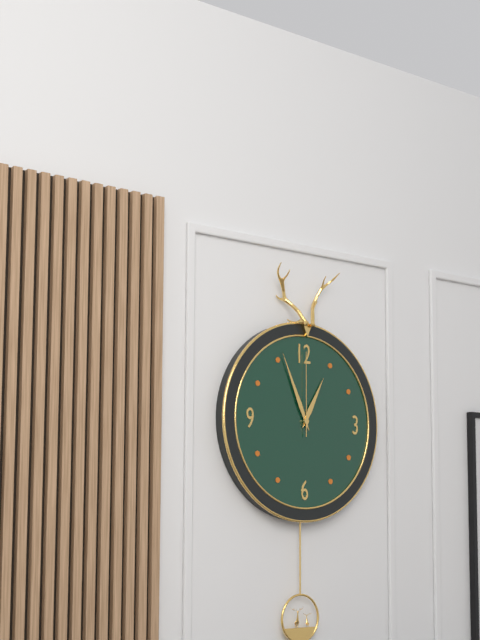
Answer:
{"hour": 12, "minute": 56, "second": 0}
